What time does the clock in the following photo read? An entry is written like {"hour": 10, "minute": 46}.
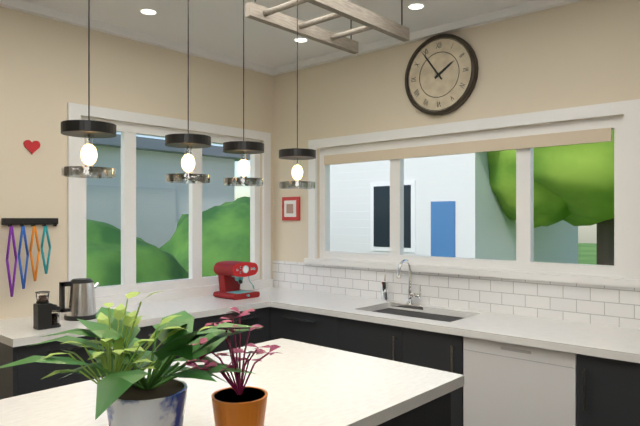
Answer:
{"hour": 1, "minute": 54}
